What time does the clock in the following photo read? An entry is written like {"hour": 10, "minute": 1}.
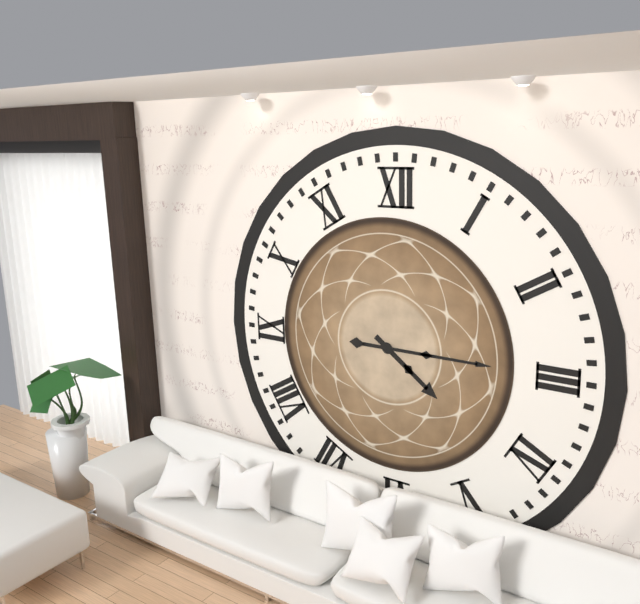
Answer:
{"hour": 4, "minute": 15}
